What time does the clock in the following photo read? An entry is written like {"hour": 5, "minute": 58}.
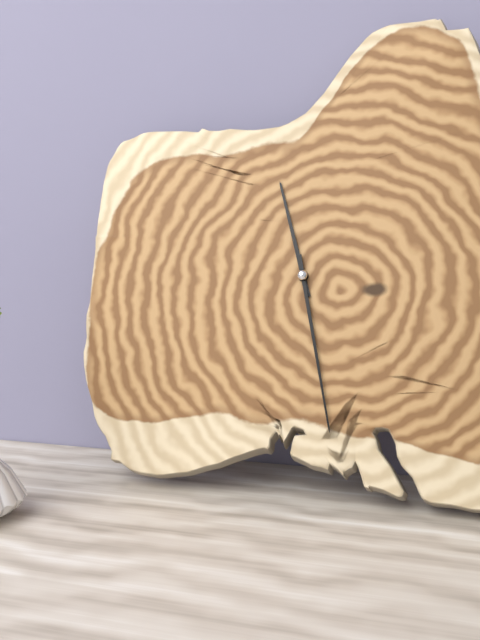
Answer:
{"hour": 11, "minute": 28}
